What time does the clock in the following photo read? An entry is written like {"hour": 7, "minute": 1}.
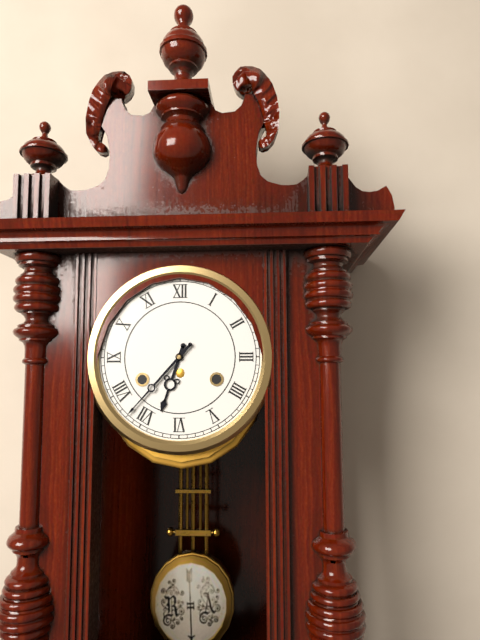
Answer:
{"hour": 6, "minute": 37}
